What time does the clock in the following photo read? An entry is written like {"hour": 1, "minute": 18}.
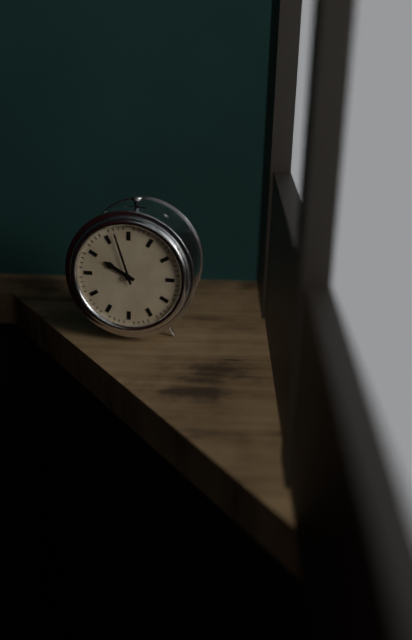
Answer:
{"hour": 9, "minute": 57}
